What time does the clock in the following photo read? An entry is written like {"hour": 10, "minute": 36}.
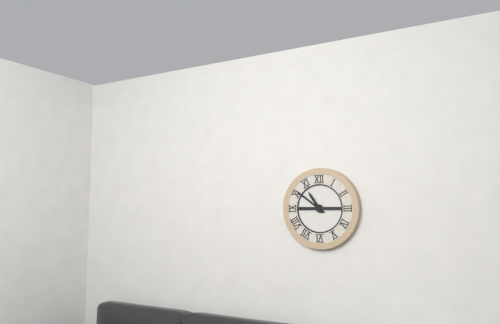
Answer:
{"hour": 10, "minute": 51}
